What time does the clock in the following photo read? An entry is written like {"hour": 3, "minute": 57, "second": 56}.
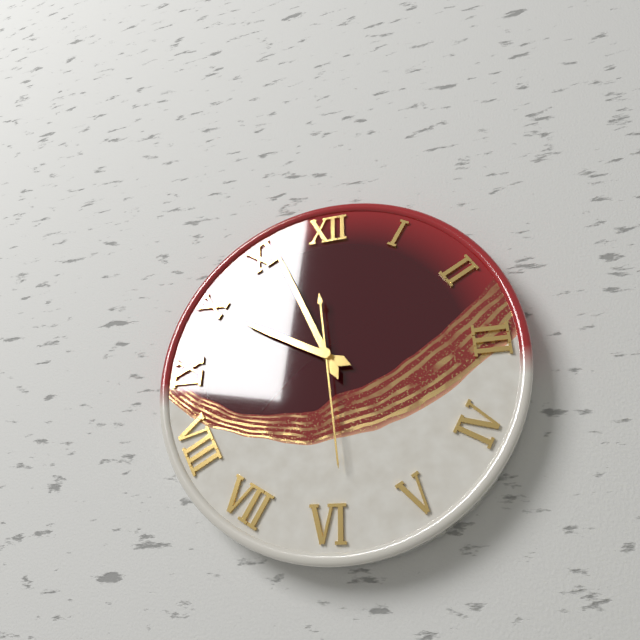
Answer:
{"hour": 9, "minute": 56, "second": 29}
